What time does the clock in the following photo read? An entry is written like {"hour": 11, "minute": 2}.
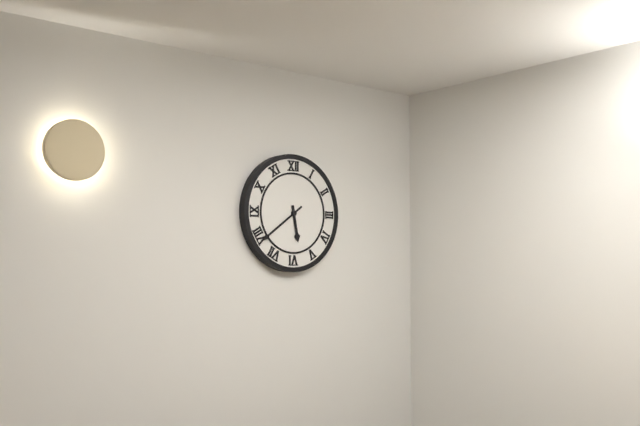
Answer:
{"hour": 5, "minute": 39}
